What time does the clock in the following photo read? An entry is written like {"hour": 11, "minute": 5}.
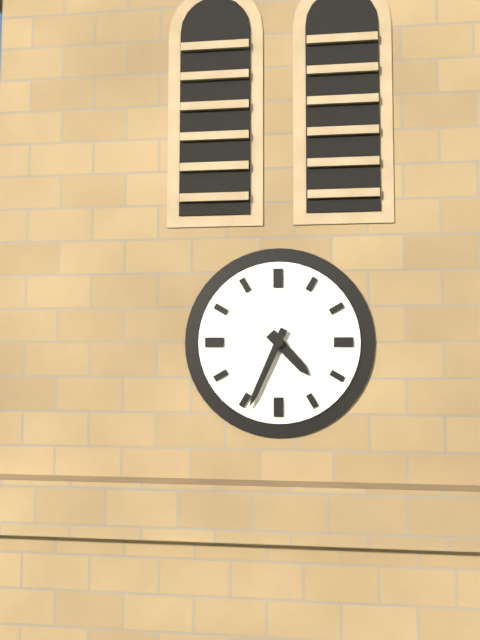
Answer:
{"hour": 4, "minute": 34}
